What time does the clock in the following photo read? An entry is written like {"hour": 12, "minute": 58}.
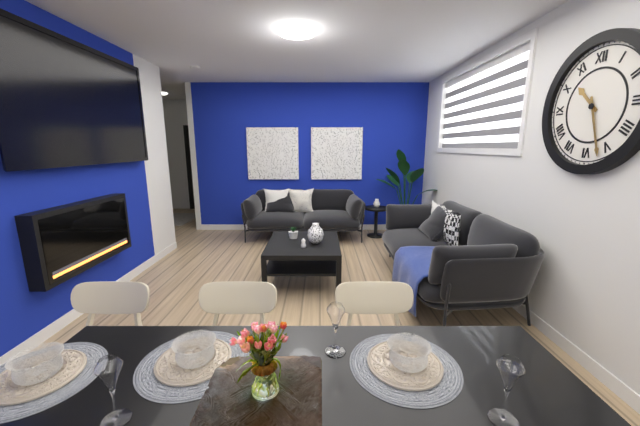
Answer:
{"hour": 10, "minute": 27}
